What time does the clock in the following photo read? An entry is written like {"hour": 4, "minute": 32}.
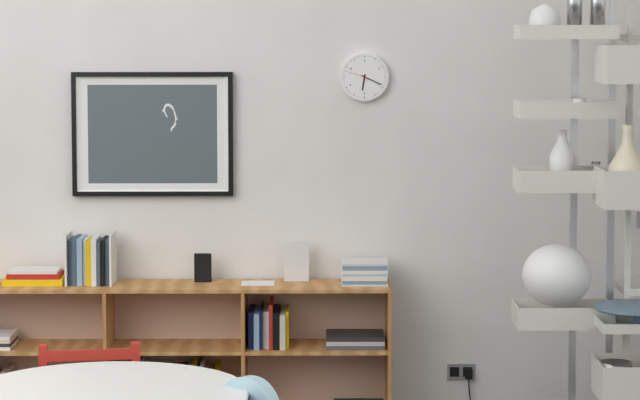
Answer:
{"hour": 6, "minute": 19}
